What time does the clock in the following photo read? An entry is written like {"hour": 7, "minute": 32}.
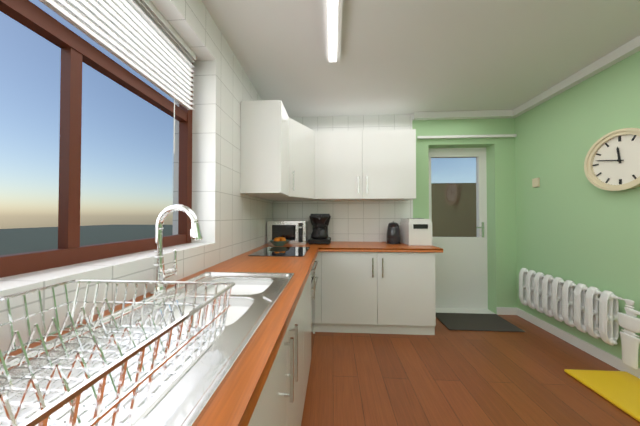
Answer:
{"hour": 11, "minute": 47}
